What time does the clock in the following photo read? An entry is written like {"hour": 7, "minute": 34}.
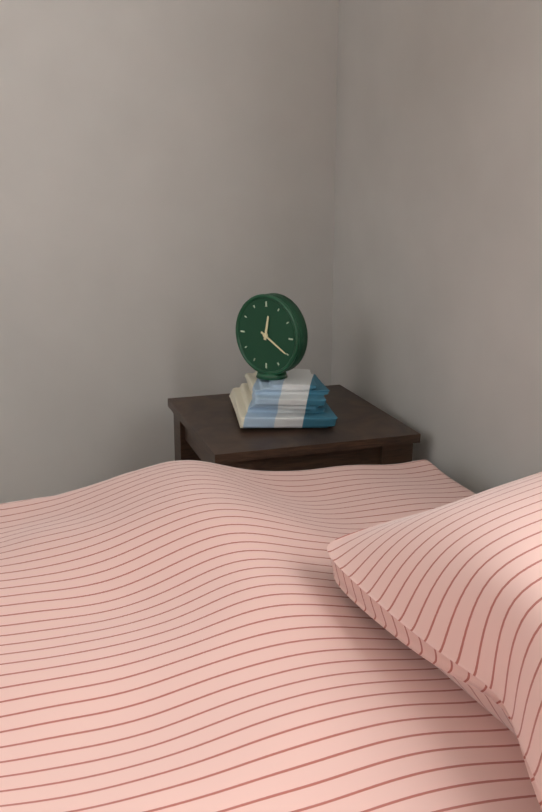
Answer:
{"hour": 12, "minute": 20}
